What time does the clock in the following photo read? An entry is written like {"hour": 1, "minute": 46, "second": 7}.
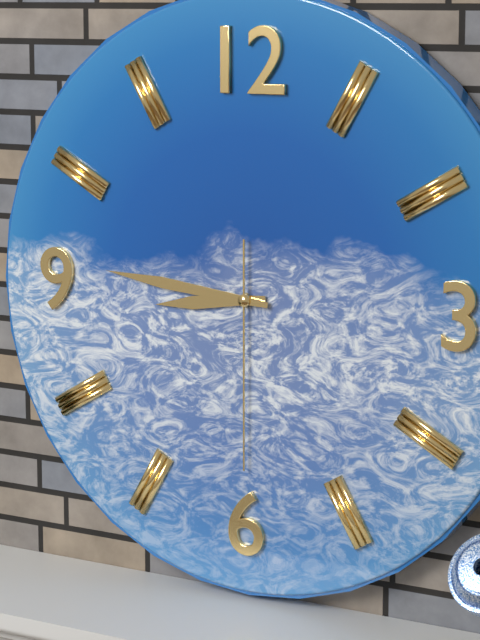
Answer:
{"hour": 8, "minute": 46, "second": 30}
